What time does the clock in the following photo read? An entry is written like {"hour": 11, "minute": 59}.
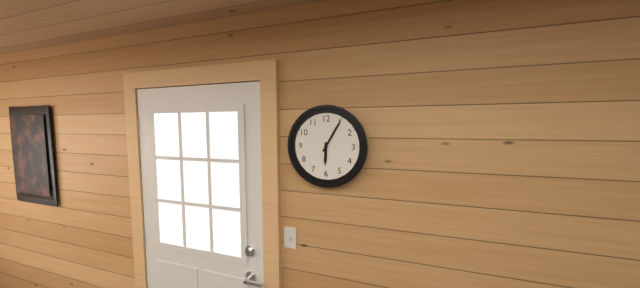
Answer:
{"hour": 6, "minute": 5}
